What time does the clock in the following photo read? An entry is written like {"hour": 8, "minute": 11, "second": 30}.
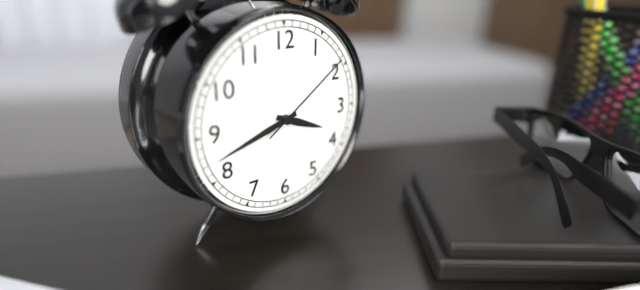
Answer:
{"hour": 3, "minute": 42, "second": 9}
